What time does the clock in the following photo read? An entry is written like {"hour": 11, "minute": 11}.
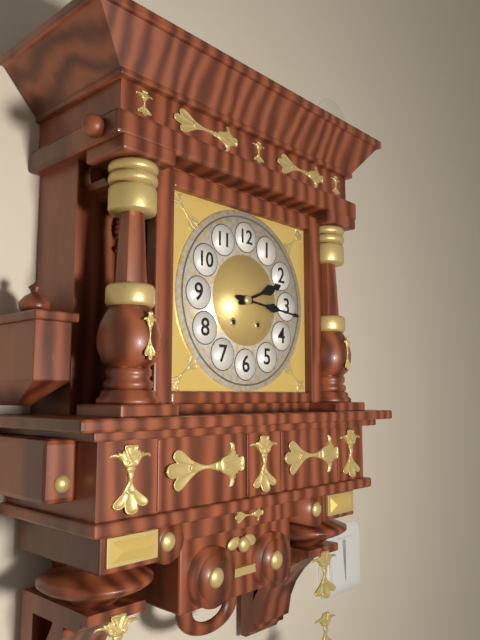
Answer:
{"hour": 2, "minute": 16}
